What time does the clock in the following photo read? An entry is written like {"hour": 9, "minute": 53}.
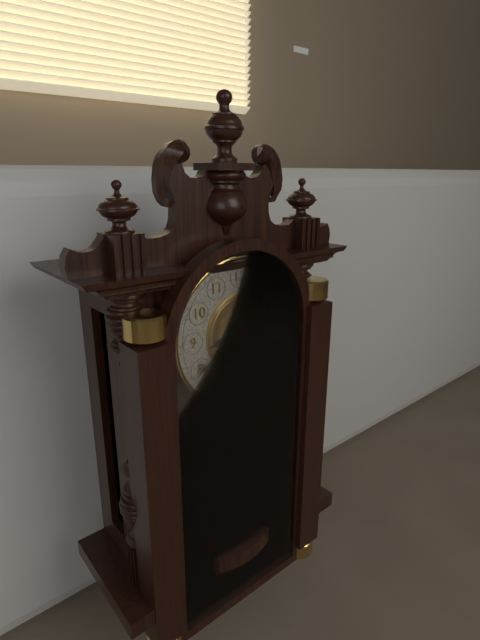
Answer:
{"hour": 8, "minute": 40}
